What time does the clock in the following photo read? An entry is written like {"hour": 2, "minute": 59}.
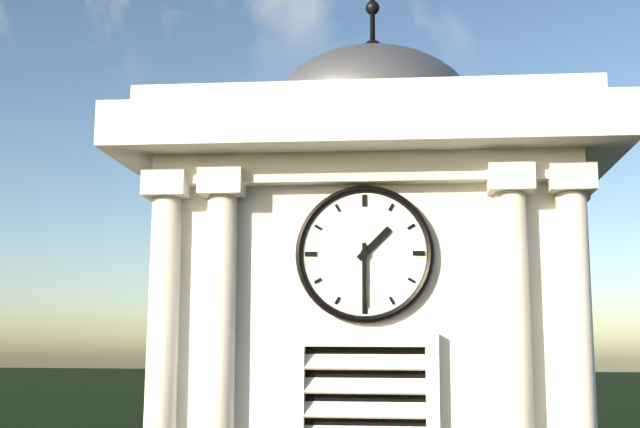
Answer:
{"hour": 1, "minute": 30}
